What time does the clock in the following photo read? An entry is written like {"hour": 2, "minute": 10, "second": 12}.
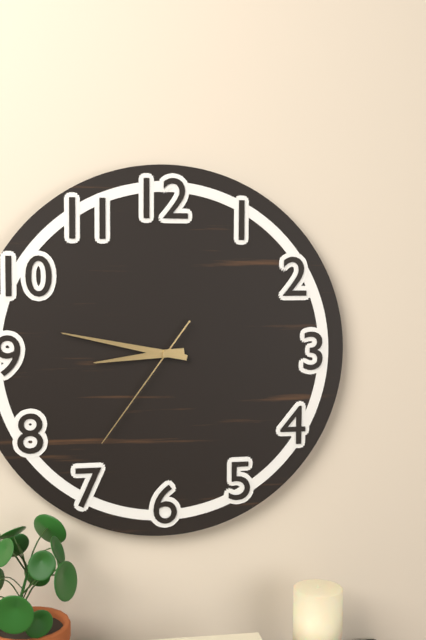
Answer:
{"hour": 8, "minute": 47, "second": 36}
